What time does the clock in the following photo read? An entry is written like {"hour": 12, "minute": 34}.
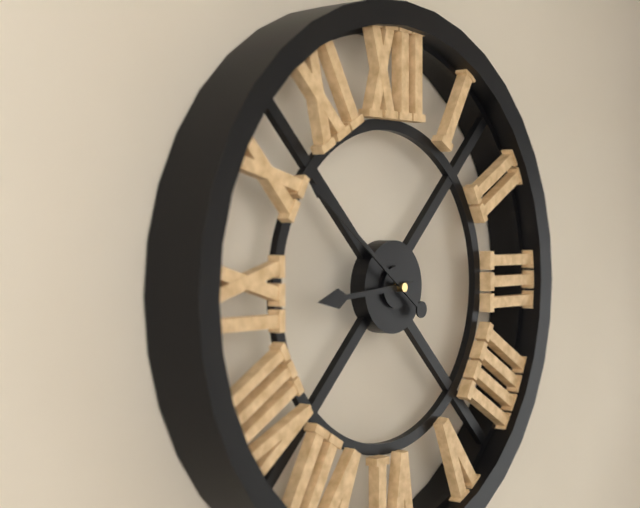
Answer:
{"hour": 8, "minute": 51}
